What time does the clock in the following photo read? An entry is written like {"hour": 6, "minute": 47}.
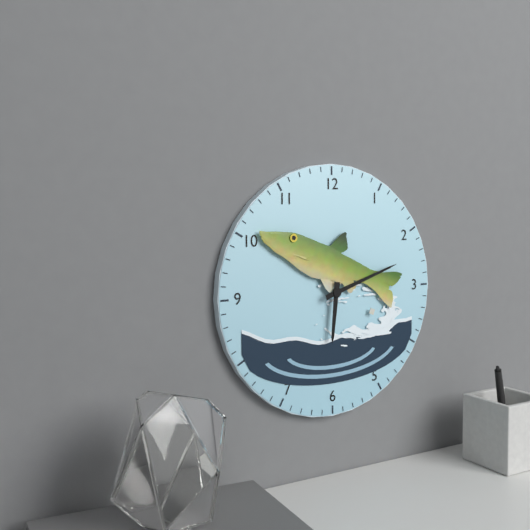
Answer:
{"hour": 6, "minute": 12}
